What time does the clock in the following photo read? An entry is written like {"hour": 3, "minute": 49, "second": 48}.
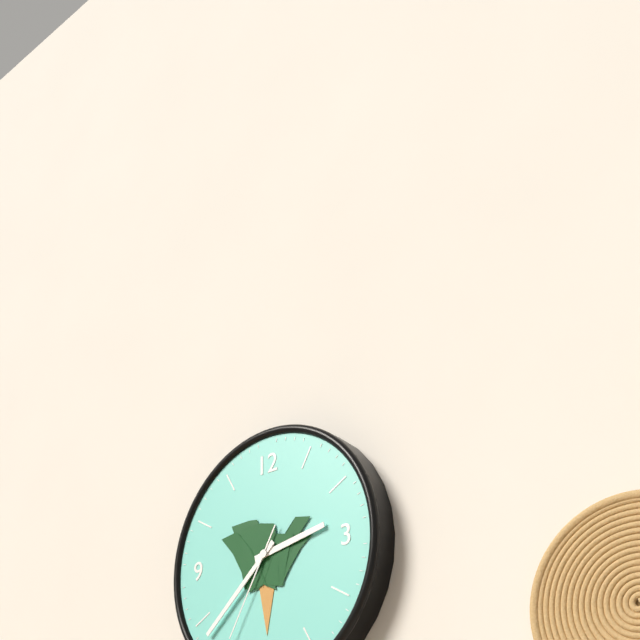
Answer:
{"hour": 2, "minute": 38, "second": 35}
